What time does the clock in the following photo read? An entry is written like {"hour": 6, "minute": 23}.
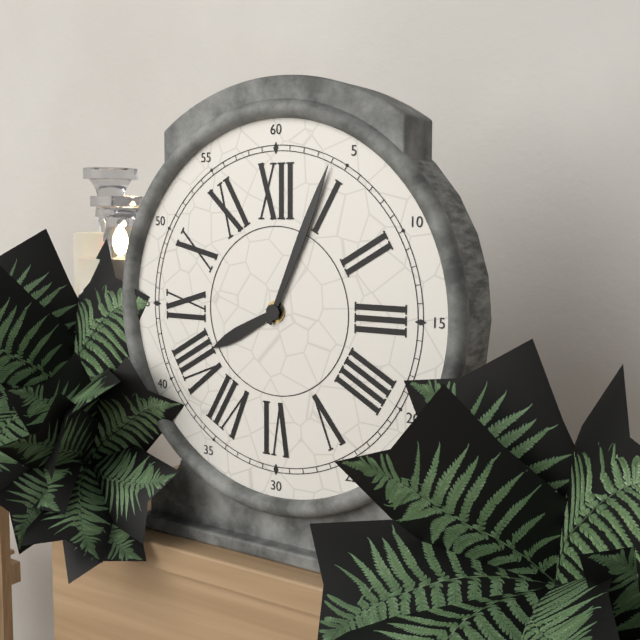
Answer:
{"hour": 8, "minute": 4}
